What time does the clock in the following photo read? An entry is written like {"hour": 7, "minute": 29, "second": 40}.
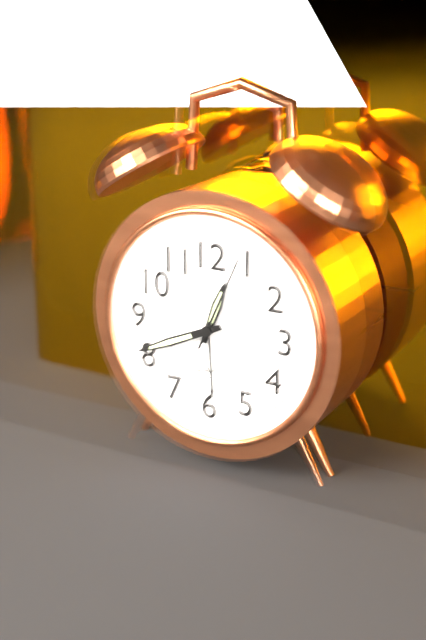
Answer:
{"hour": 12, "minute": 41, "second": 4}
